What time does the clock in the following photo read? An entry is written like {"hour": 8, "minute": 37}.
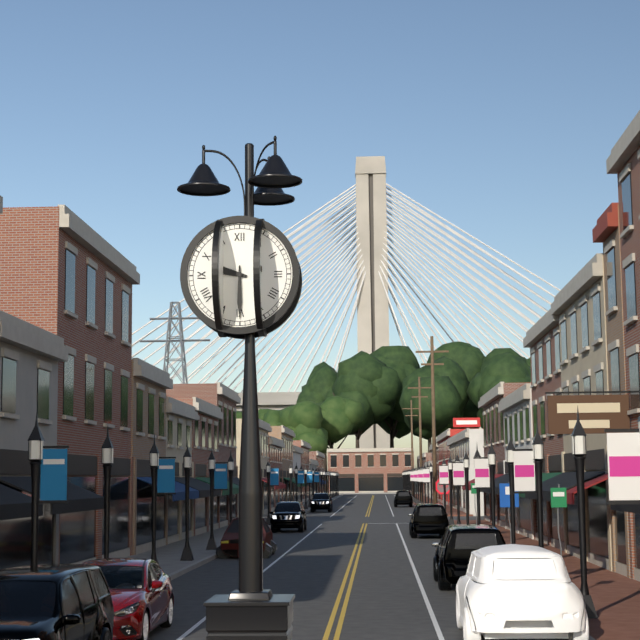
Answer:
{"hour": 9, "minute": 30}
